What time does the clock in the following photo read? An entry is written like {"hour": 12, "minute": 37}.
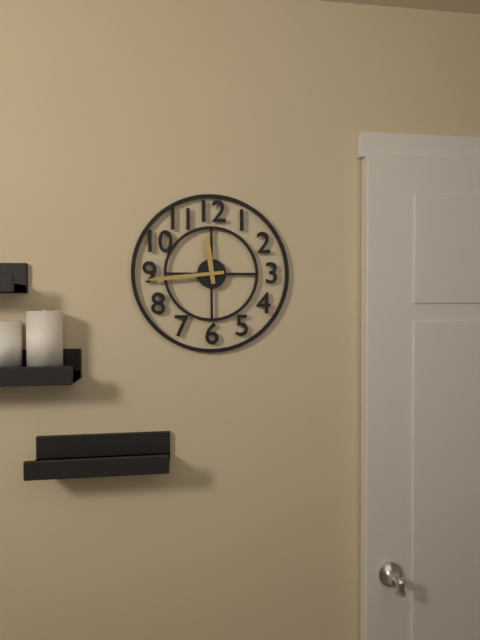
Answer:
{"hour": 11, "minute": 44}
